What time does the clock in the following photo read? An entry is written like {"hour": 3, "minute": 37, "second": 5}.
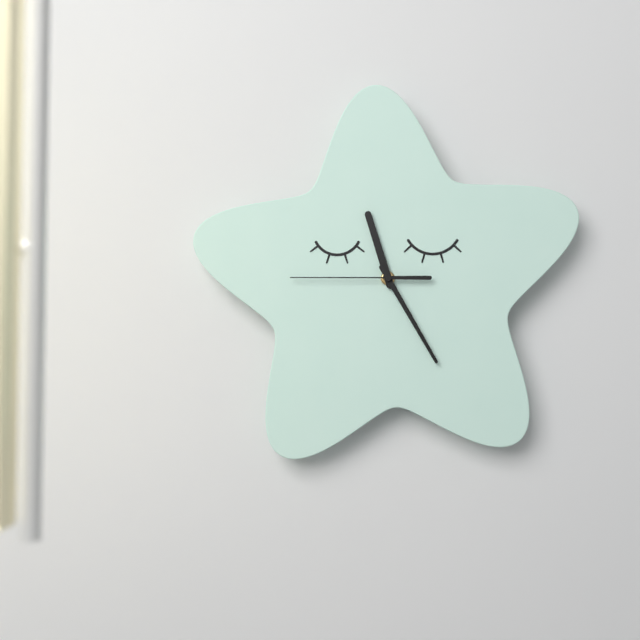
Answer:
{"hour": 11, "minute": 25, "second": 45}
